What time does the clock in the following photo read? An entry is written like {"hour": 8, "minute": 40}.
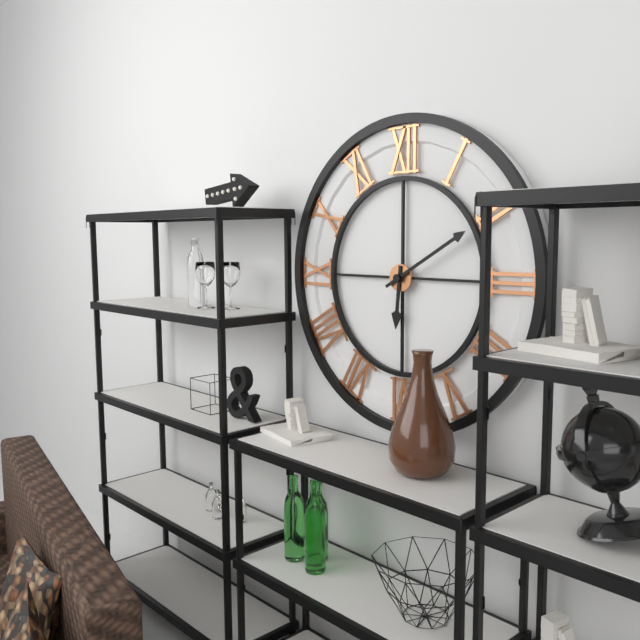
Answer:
{"hour": 6, "minute": 10}
